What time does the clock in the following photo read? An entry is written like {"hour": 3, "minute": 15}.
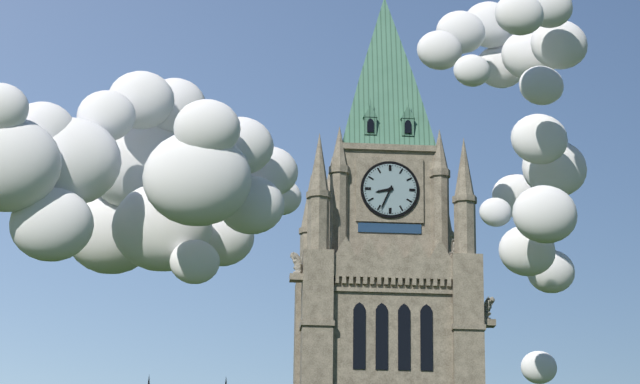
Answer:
{"hour": 8, "minute": 34}
